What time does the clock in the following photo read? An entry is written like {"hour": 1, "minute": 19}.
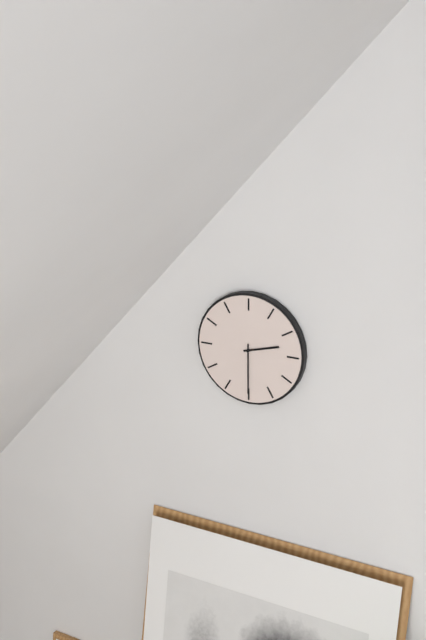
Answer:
{"hour": 2, "minute": 30}
